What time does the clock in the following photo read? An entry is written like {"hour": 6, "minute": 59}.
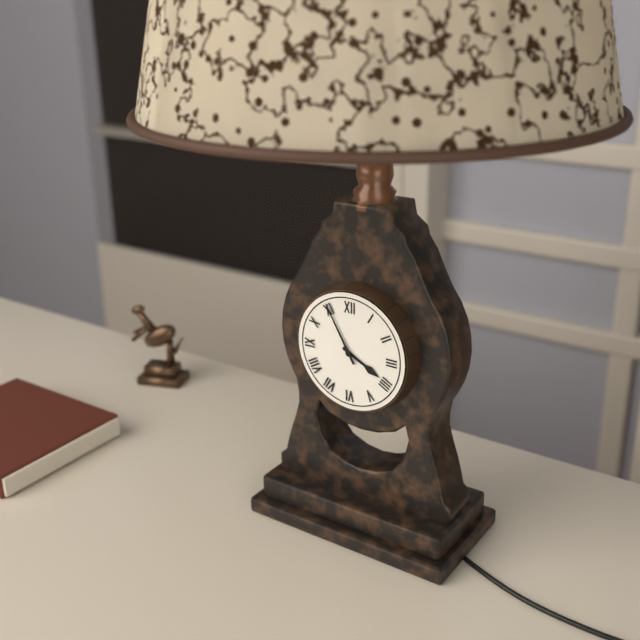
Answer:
{"hour": 3, "minute": 55}
